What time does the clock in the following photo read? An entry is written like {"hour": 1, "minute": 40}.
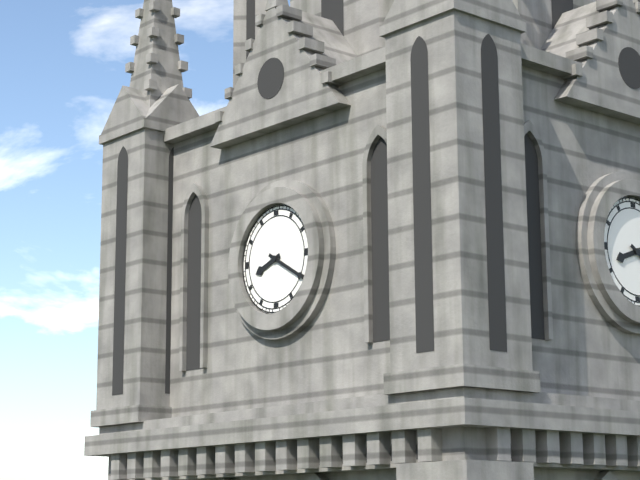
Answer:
{"hour": 8, "minute": 20}
